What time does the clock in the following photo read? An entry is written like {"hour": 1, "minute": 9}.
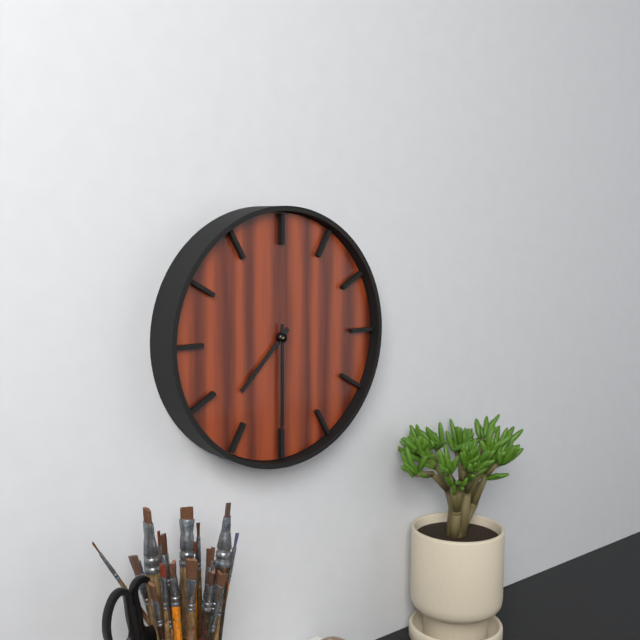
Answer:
{"hour": 7, "minute": 30}
